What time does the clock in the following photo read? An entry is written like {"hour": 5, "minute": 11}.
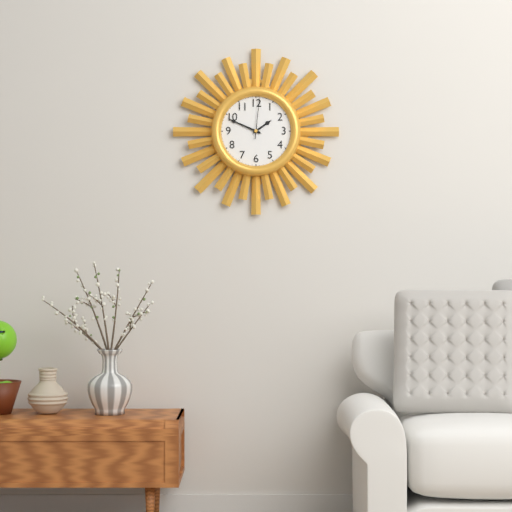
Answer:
{"hour": 1, "minute": 49}
